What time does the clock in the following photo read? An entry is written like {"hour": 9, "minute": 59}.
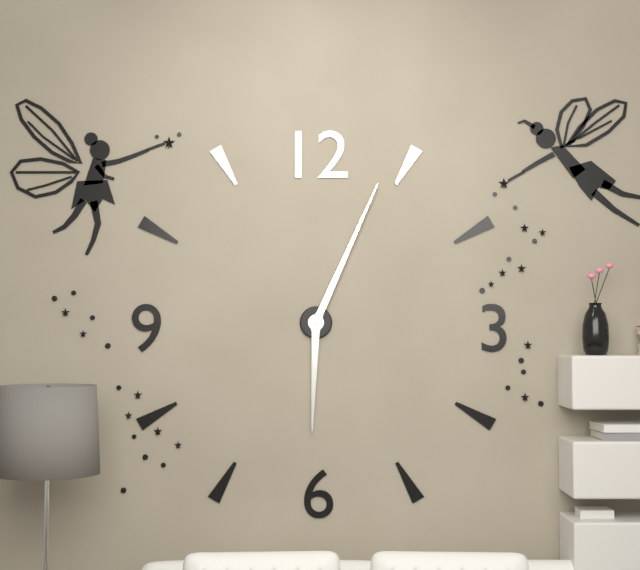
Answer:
{"hour": 6, "minute": 4}
